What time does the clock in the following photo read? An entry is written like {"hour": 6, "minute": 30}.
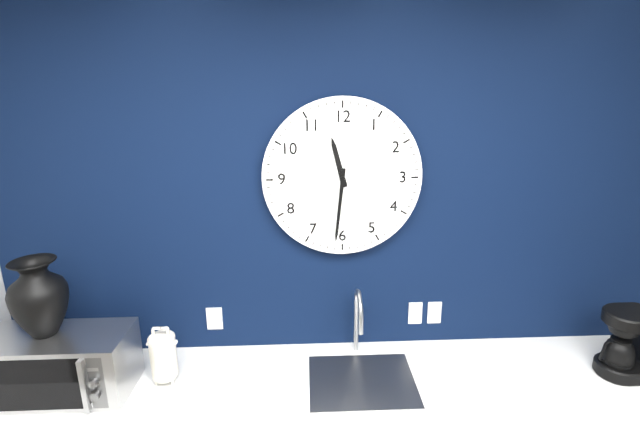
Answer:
{"hour": 11, "minute": 31}
